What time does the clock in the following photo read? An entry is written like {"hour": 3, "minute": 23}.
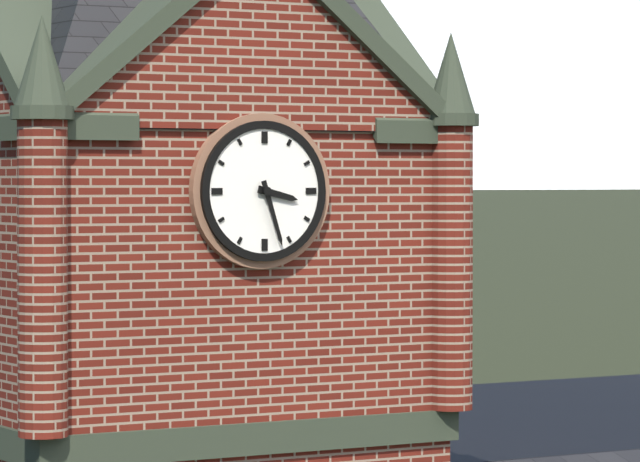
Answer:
{"hour": 3, "minute": 27}
